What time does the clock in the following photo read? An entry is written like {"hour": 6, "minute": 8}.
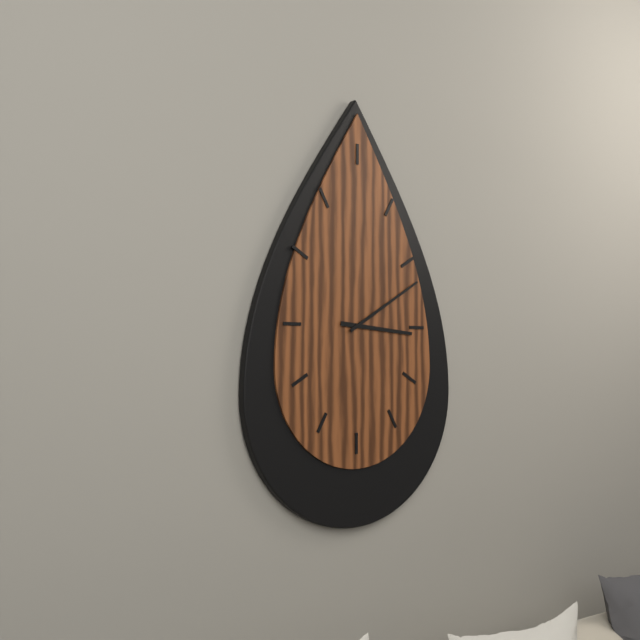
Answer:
{"hour": 3, "minute": 10}
